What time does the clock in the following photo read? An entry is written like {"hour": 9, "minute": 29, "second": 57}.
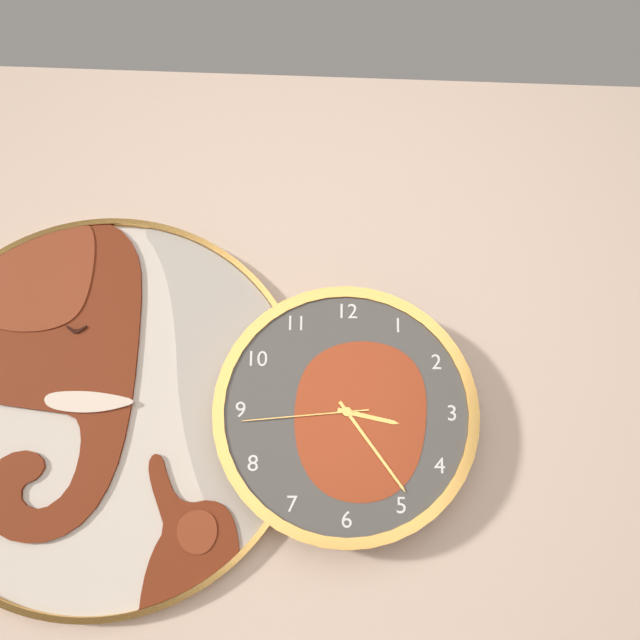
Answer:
{"hour": 3, "minute": 24, "second": 44}
